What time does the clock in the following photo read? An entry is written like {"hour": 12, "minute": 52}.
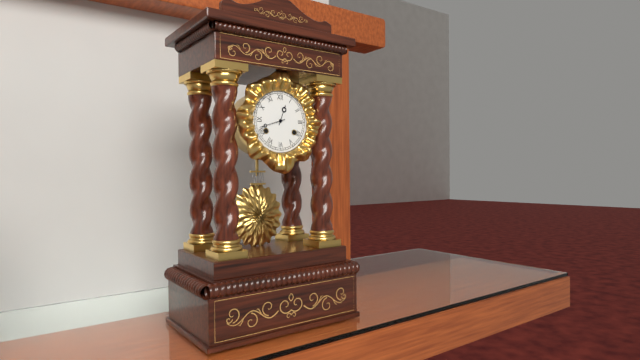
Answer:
{"hour": 12, "minute": 42}
